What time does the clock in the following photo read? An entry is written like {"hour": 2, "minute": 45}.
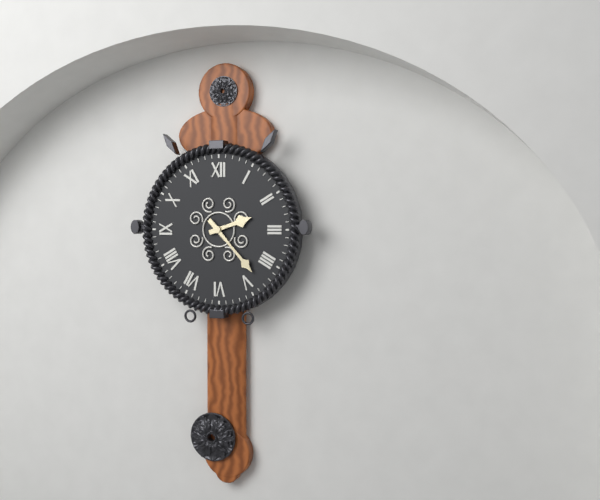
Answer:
{"hour": 2, "minute": 23}
